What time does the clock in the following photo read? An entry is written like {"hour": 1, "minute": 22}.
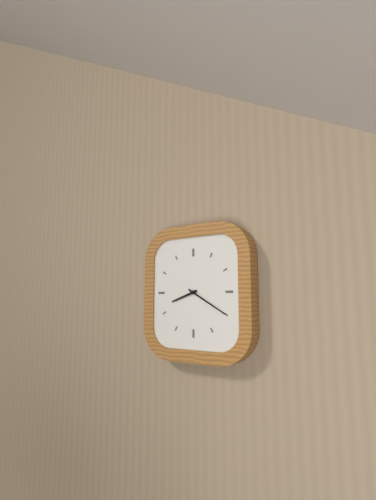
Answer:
{"hour": 8, "minute": 20}
